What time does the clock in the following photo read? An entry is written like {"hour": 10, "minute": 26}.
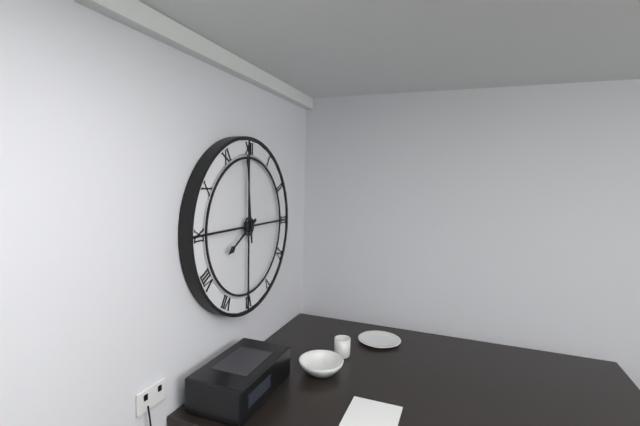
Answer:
{"hour": 7, "minute": 59}
